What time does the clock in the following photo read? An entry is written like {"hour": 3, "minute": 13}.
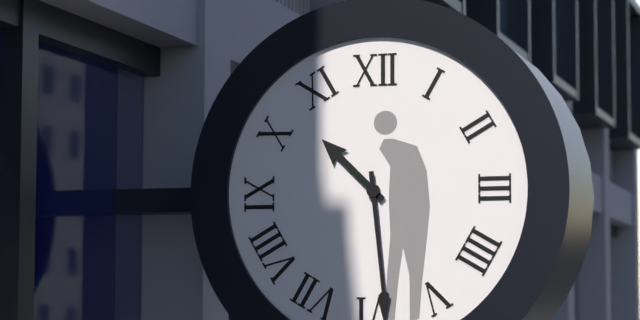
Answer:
{"hour": 10, "minute": 29}
